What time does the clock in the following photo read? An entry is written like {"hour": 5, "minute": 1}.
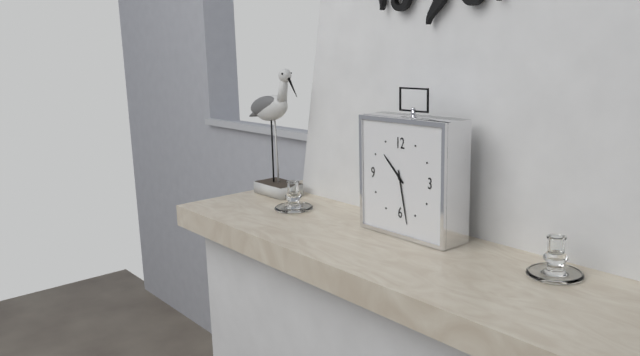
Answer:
{"hour": 10, "minute": 28}
